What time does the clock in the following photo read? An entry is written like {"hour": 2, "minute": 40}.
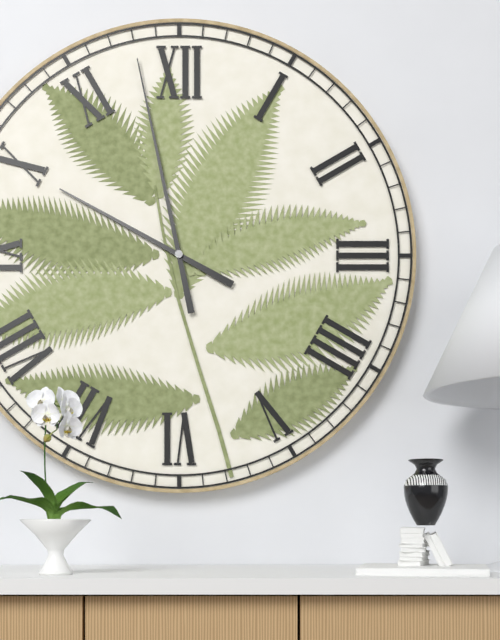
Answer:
{"hour": 9, "minute": 58}
